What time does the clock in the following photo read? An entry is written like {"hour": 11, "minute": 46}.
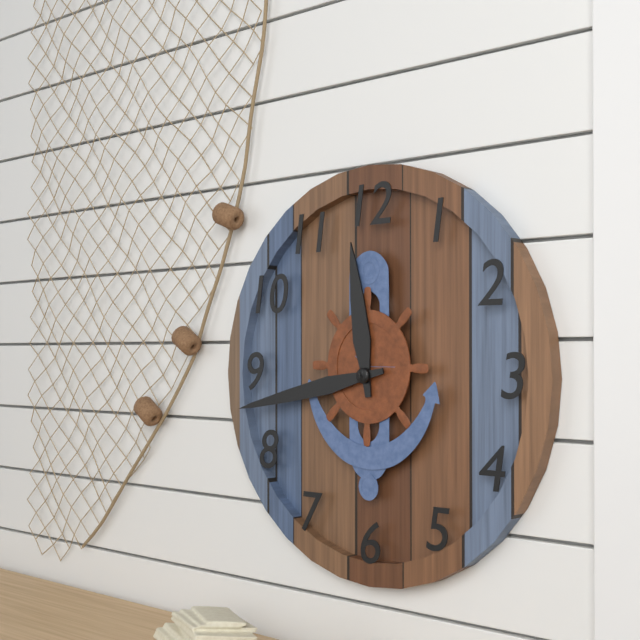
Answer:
{"hour": 11, "minute": 43}
